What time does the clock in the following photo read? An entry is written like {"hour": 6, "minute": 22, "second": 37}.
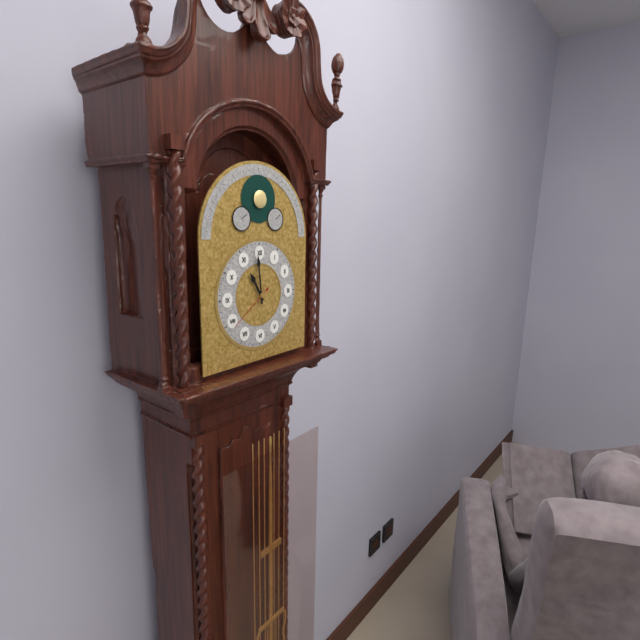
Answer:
{"hour": 10, "minute": 59, "second": 39}
